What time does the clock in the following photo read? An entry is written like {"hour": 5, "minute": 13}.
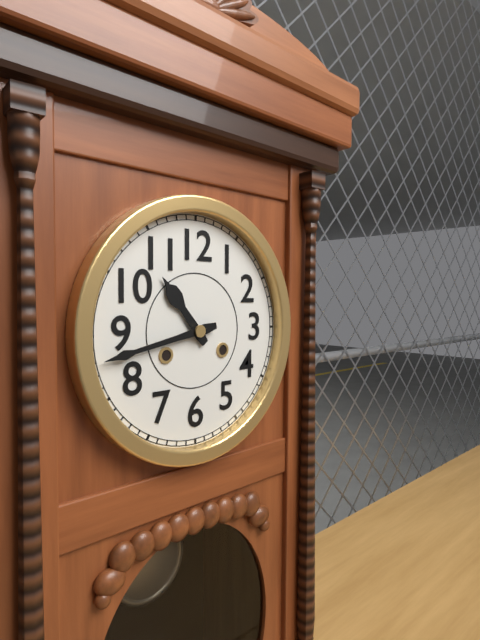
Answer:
{"hour": 10, "minute": 43}
